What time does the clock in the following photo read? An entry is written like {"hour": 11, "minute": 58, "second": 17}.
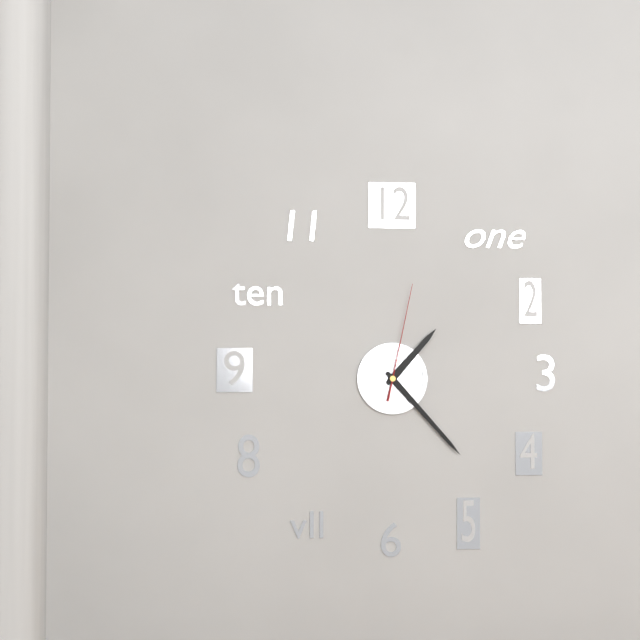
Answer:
{"hour": 1, "minute": 23, "second": 2}
